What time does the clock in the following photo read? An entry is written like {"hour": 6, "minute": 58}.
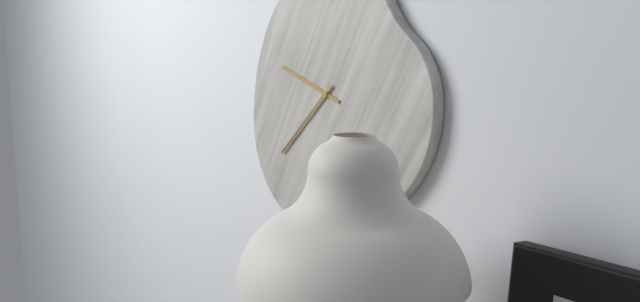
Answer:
{"hour": 9, "minute": 38}
